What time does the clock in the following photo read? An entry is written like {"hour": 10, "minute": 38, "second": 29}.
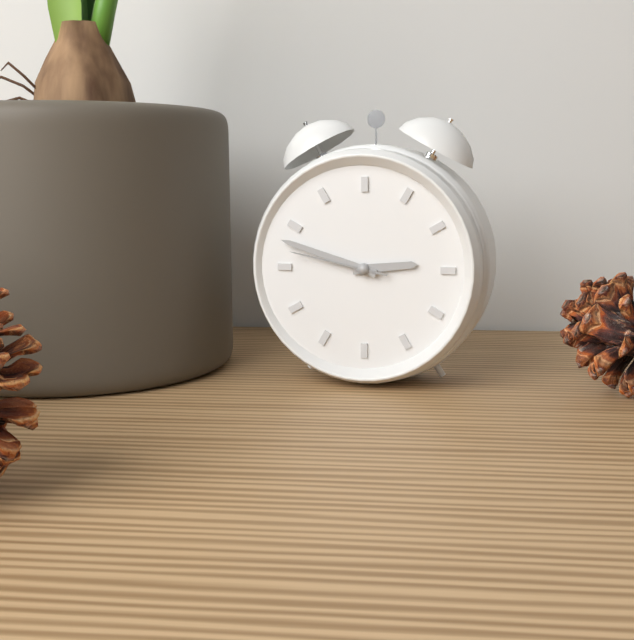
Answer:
{"hour": 2, "minute": 48, "second": 47}
